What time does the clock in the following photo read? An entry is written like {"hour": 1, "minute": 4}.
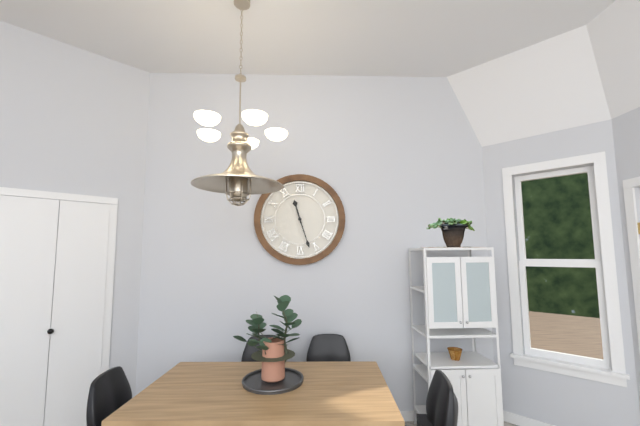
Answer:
{"hour": 11, "minute": 27}
